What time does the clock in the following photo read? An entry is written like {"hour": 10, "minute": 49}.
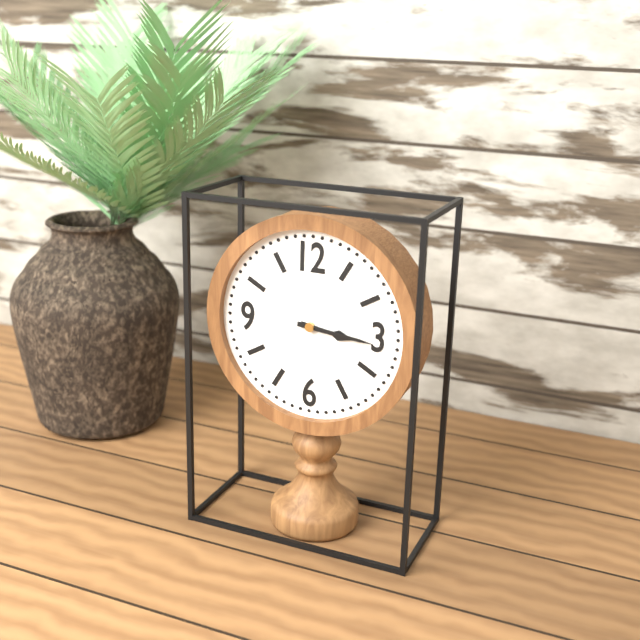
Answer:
{"hour": 3, "minute": 16}
